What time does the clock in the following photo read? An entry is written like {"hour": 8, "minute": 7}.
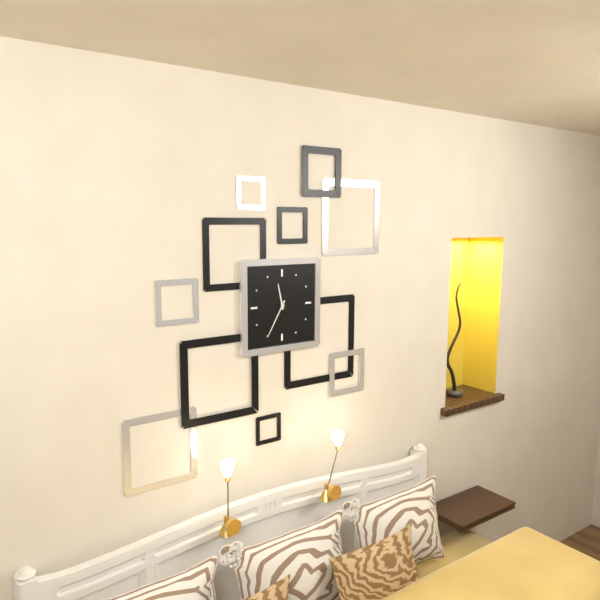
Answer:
{"hour": 11, "minute": 35}
